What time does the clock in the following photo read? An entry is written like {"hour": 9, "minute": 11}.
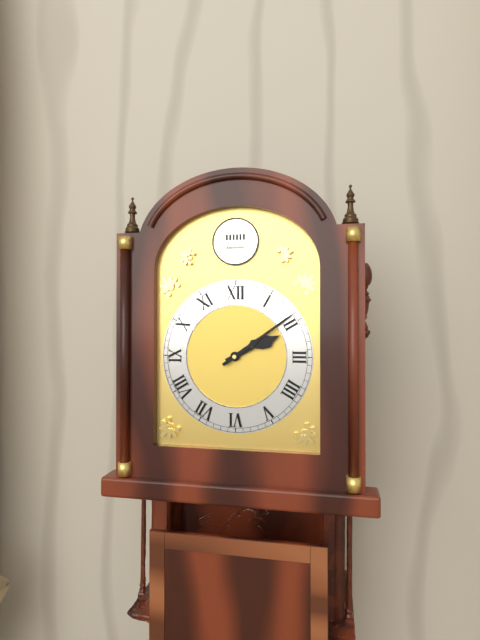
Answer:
{"hour": 2, "minute": 9}
